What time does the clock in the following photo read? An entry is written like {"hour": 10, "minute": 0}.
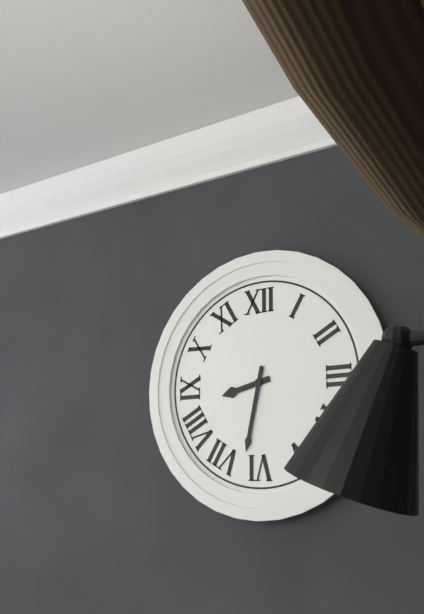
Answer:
{"hour": 8, "minute": 32}
